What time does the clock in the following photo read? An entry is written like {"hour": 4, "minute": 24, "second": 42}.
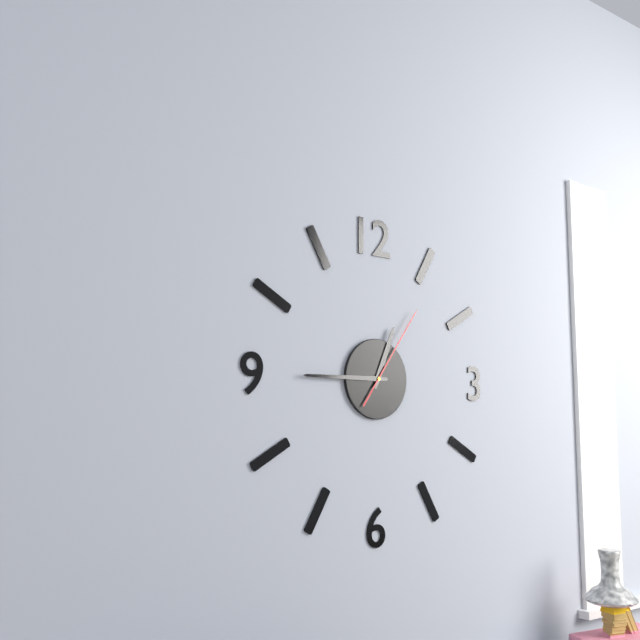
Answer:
{"hour": 12, "minute": 45, "second": 6}
